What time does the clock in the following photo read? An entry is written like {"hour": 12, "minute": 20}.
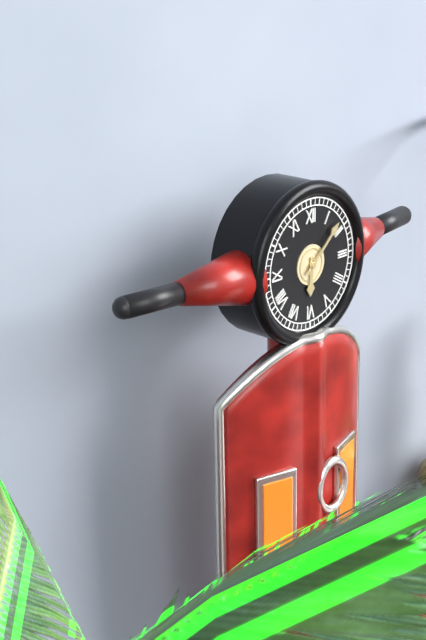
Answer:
{"hour": 6, "minute": 8}
